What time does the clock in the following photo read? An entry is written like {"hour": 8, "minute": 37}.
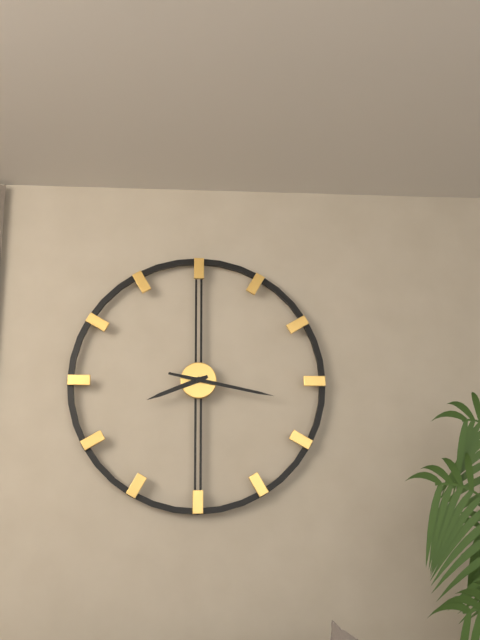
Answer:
{"hour": 8, "minute": 17}
